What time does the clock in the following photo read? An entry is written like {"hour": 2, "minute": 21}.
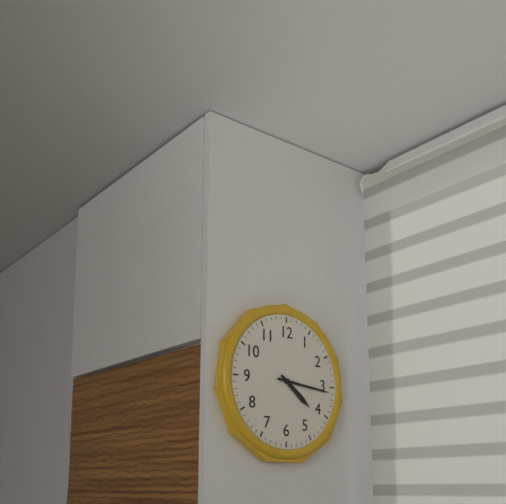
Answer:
{"hour": 4, "minute": 16}
